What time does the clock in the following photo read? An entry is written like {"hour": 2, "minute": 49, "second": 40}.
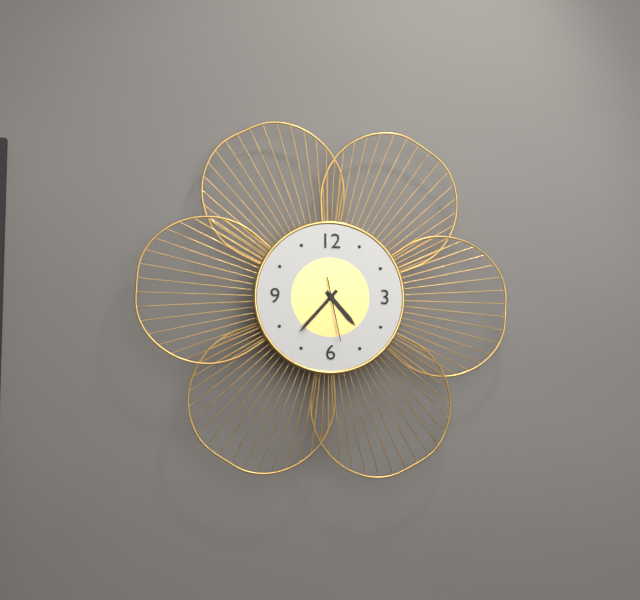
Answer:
{"hour": 4, "minute": 37, "second": 28}
